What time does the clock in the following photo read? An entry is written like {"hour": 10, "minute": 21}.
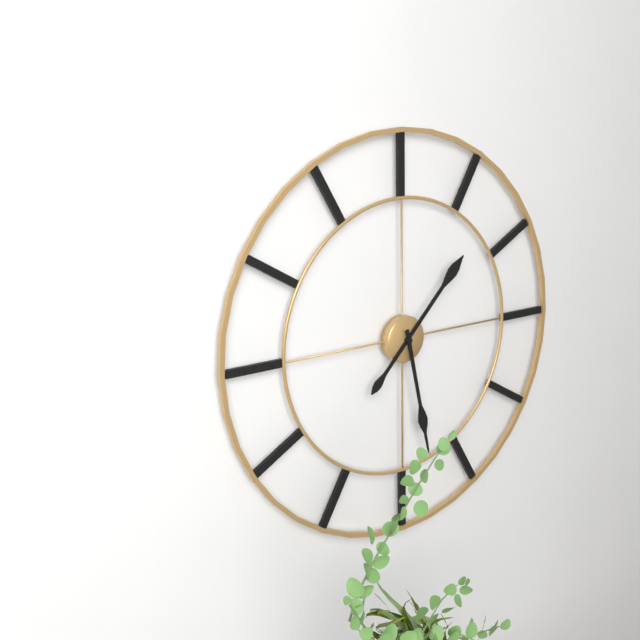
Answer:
{"hour": 1, "minute": 28}
